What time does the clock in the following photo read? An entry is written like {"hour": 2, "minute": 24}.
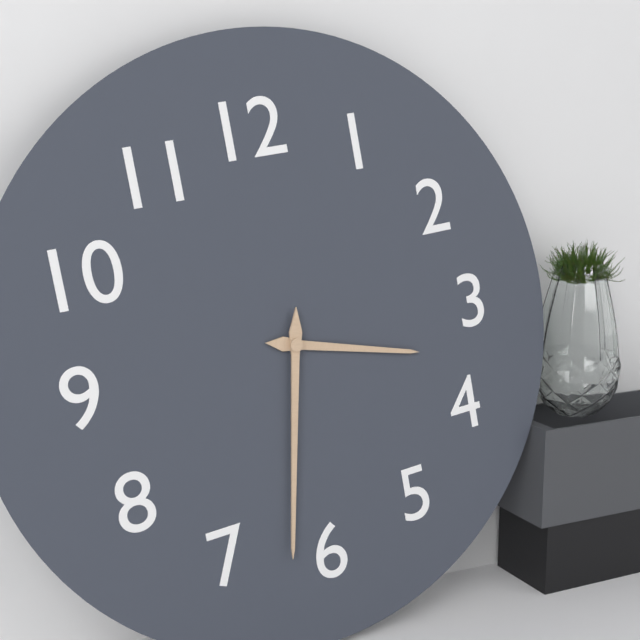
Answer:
{"hour": 3, "minute": 32}
